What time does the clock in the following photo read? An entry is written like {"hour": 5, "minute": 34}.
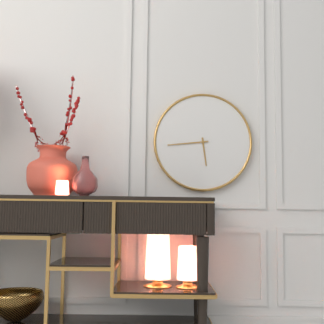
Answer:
{"hour": 5, "minute": 44}
